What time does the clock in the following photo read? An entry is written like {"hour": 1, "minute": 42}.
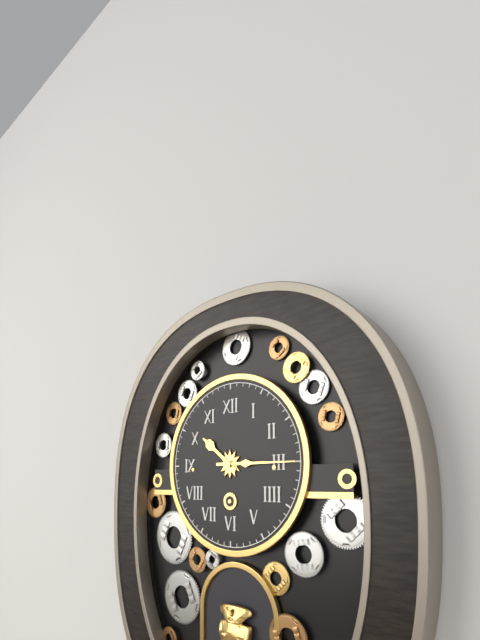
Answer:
{"hour": 10, "minute": 15}
